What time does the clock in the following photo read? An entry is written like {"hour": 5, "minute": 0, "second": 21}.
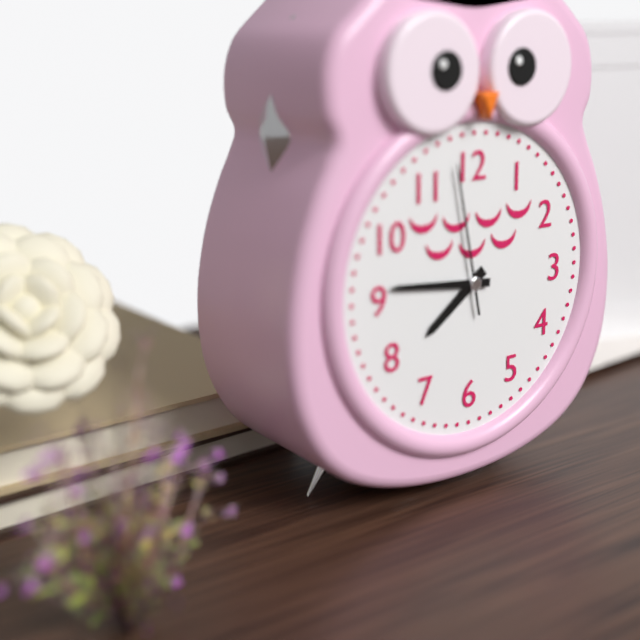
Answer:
{"hour": 7, "minute": 46, "second": 58}
